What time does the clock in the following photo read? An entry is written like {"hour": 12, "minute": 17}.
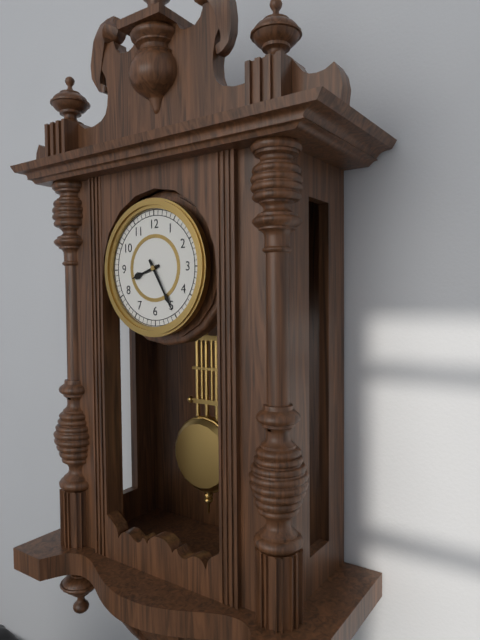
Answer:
{"hour": 8, "minute": 25}
